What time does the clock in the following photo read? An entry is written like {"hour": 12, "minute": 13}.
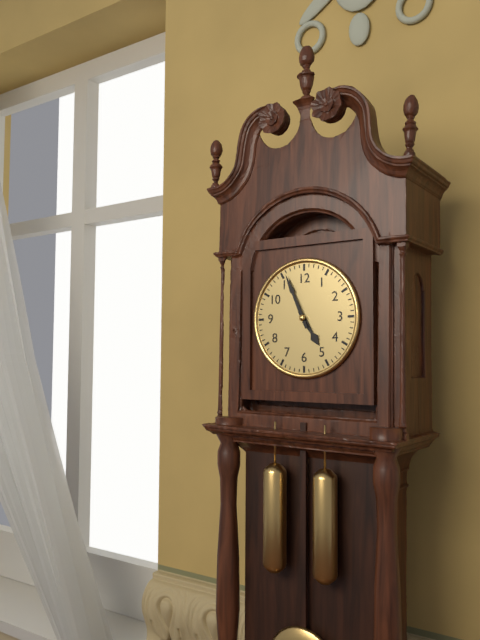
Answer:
{"hour": 4, "minute": 56}
